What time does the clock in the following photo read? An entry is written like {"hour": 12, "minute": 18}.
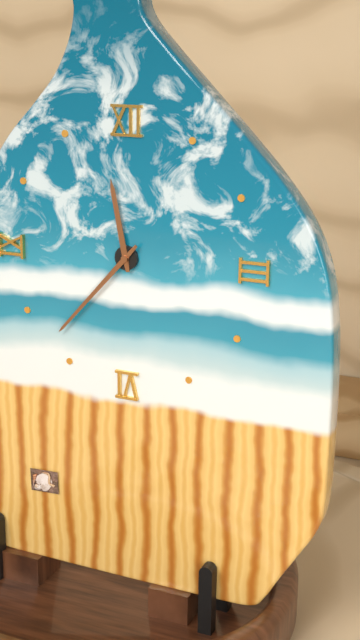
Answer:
{"hour": 11, "minute": 37}
